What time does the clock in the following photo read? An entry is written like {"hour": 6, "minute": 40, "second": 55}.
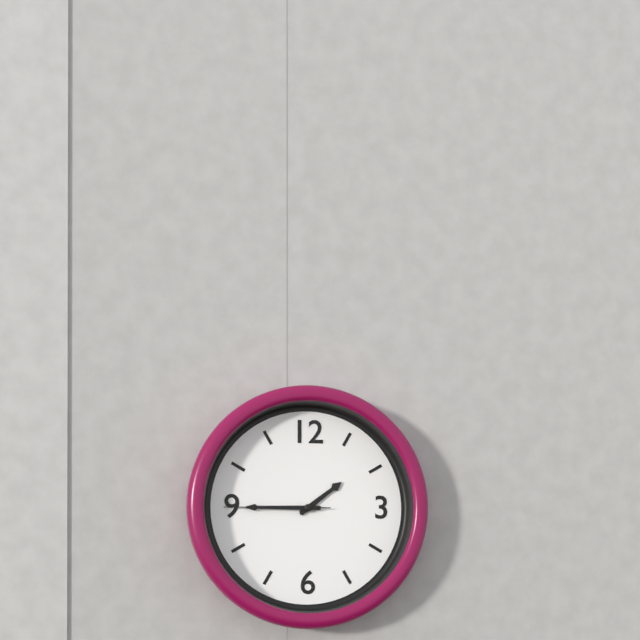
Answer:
{"hour": 1, "minute": 45, "second": 45}
